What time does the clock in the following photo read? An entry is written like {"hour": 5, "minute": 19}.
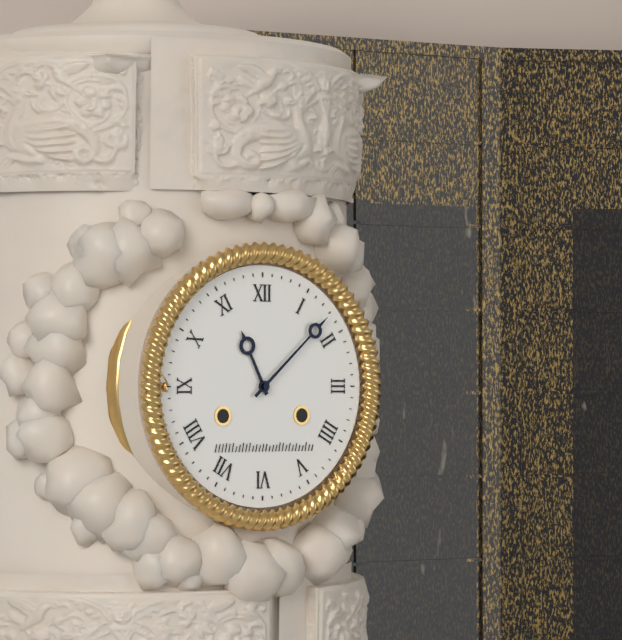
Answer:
{"hour": 11, "minute": 8}
